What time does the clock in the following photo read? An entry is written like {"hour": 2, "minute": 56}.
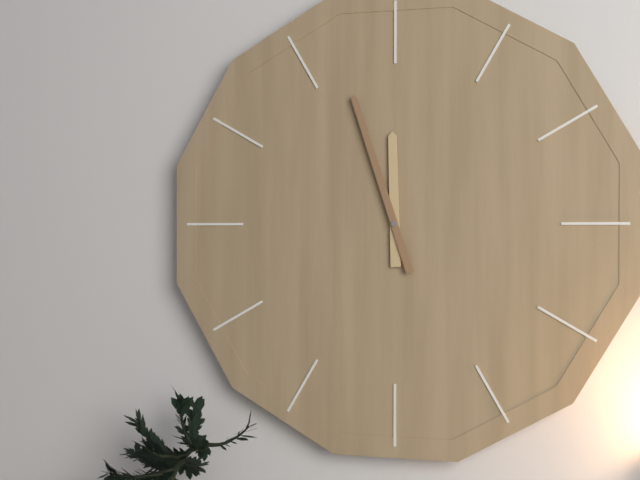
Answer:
{"hour": 11, "minute": 57}
